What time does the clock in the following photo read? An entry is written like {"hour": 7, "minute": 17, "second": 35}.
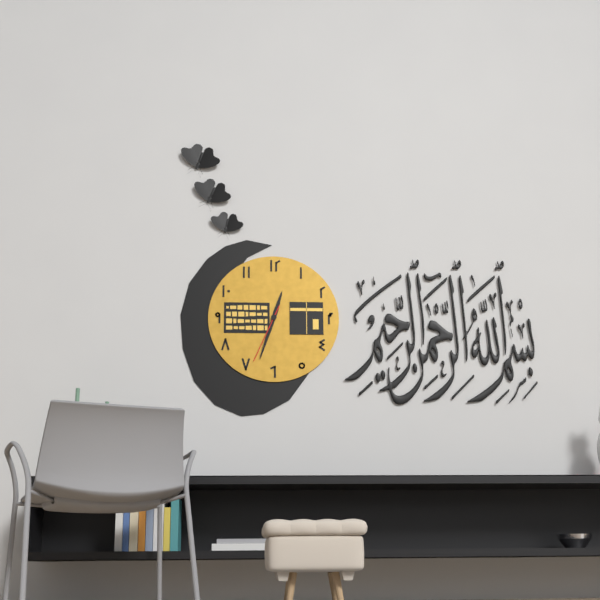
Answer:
{"hour": 12, "minute": 33, "second": 34}
